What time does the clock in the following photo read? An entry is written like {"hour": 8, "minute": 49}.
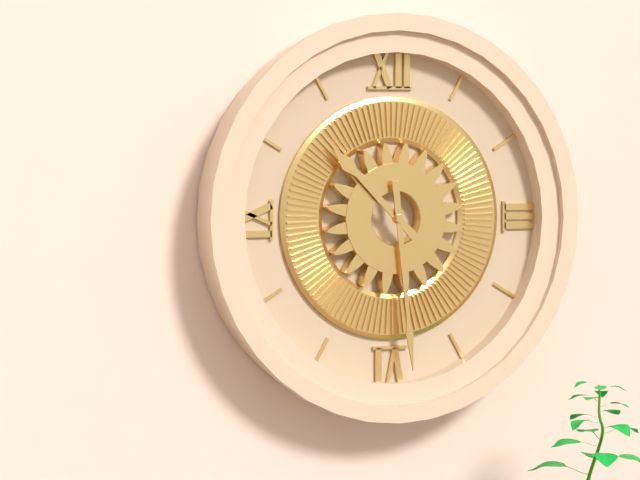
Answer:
{"hour": 10, "minute": 29}
